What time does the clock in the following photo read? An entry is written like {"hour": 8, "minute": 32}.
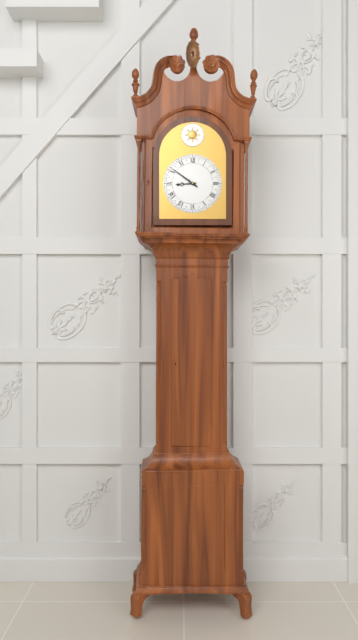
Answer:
{"hour": 8, "minute": 51}
